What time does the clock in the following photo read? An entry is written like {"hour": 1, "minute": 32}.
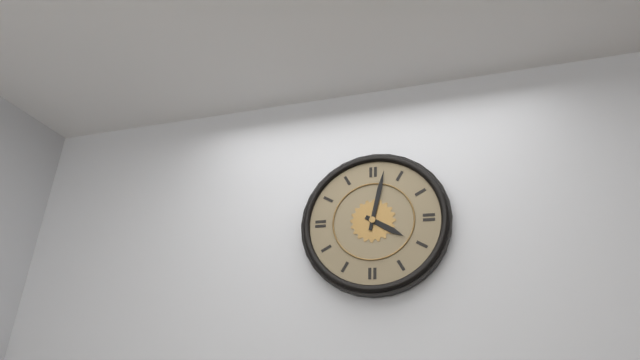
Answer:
{"hour": 4, "minute": 2}
